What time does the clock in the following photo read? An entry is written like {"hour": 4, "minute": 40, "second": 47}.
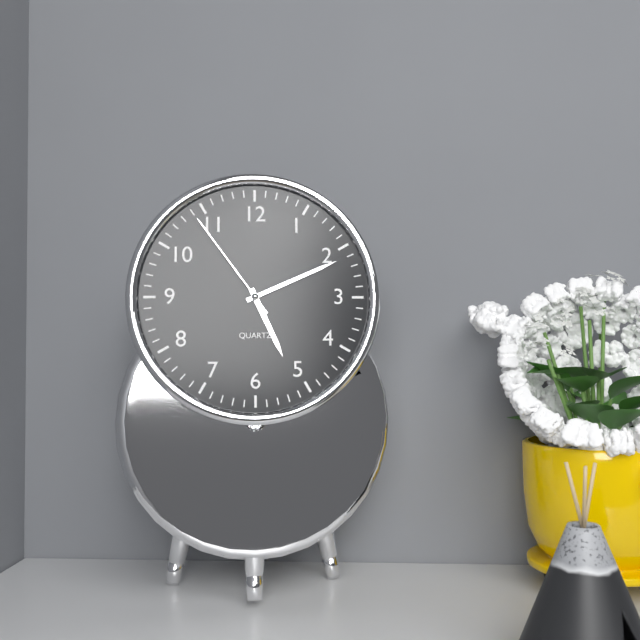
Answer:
{"hour": 5, "minute": 11, "second": 54}
